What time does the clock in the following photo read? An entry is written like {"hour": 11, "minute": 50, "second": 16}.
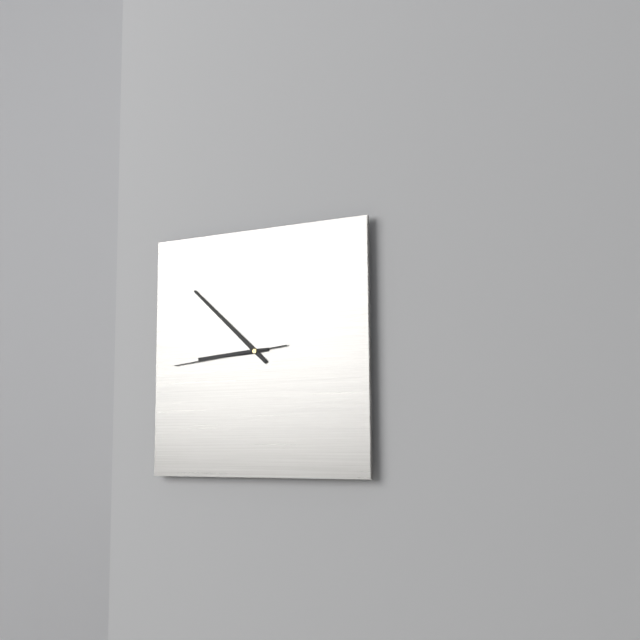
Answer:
{"hour": 8, "minute": 52, "second": 44}
